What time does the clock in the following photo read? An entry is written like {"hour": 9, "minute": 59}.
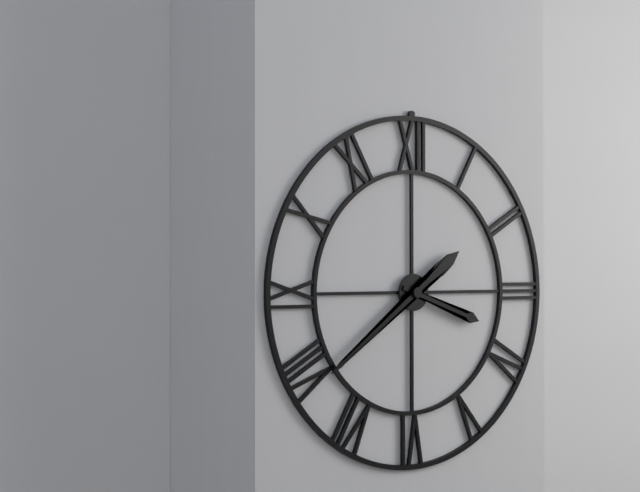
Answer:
{"hour": 3, "minute": 39}
